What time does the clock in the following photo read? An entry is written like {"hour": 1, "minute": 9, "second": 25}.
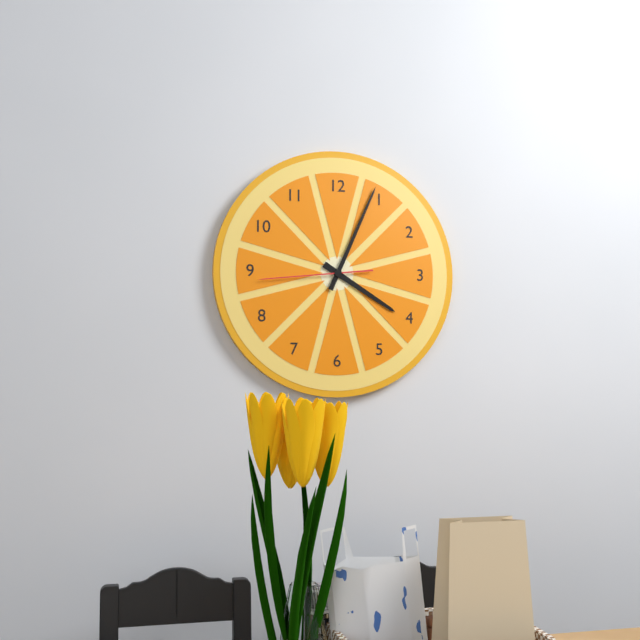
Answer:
{"hour": 4, "minute": 4, "second": 44}
